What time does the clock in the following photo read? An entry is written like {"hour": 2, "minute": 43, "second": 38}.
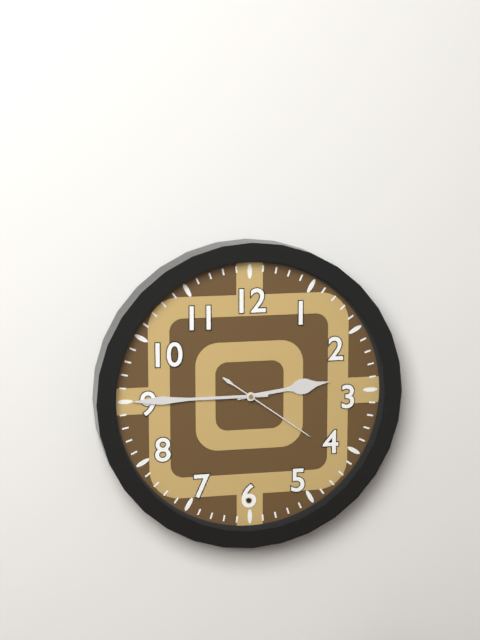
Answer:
{"hour": 2, "minute": 45, "second": 21}
